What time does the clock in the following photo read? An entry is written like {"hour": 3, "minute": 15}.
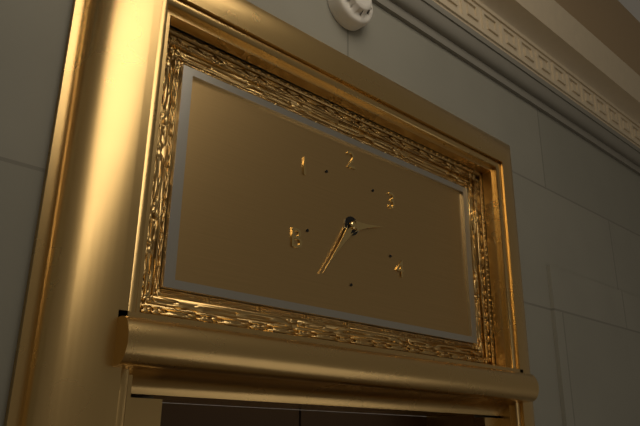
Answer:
{"hour": 2, "minute": 36}
